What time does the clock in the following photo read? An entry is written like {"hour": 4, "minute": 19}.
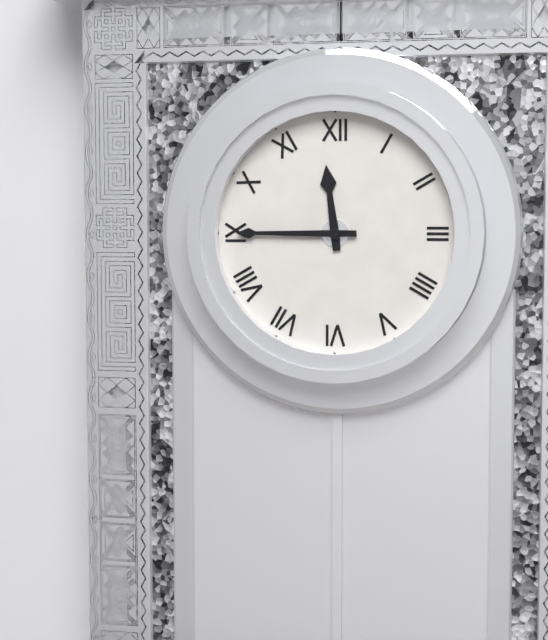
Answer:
{"hour": 11, "minute": 45}
